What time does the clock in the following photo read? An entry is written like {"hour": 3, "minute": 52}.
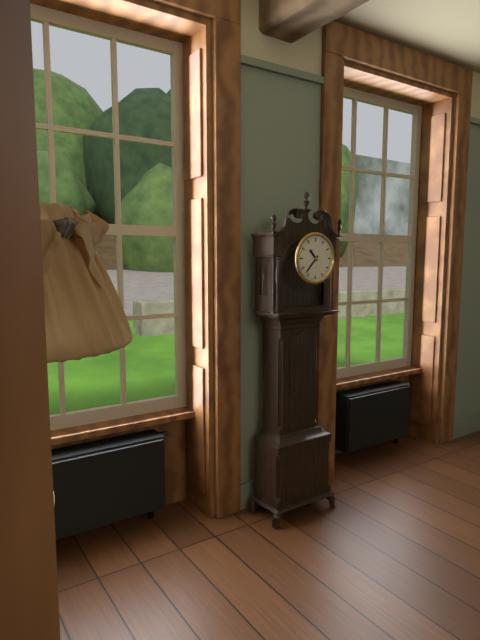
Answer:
{"hour": 10, "minute": 37}
